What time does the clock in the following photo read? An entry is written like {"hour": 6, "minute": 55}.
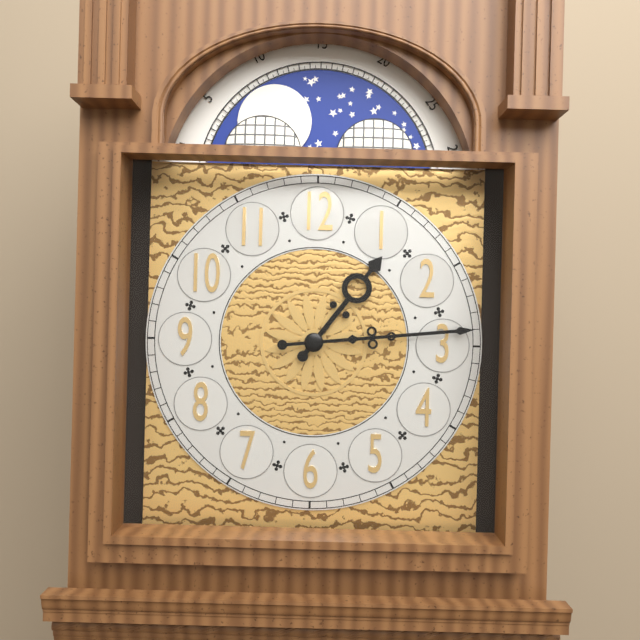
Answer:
{"hour": 1, "minute": 14}
